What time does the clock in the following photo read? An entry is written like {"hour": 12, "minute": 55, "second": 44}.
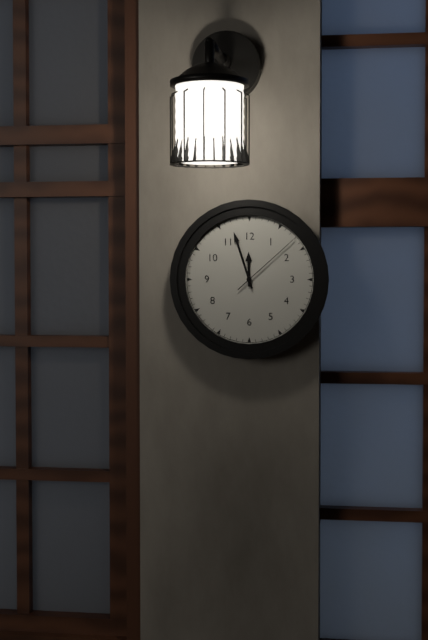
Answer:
{"hour": 11, "minute": 57, "second": 8}
